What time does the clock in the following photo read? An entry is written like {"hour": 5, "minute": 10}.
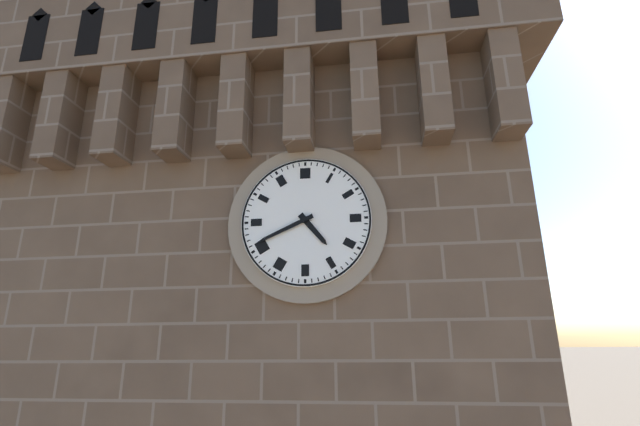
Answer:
{"hour": 4, "minute": 41}
